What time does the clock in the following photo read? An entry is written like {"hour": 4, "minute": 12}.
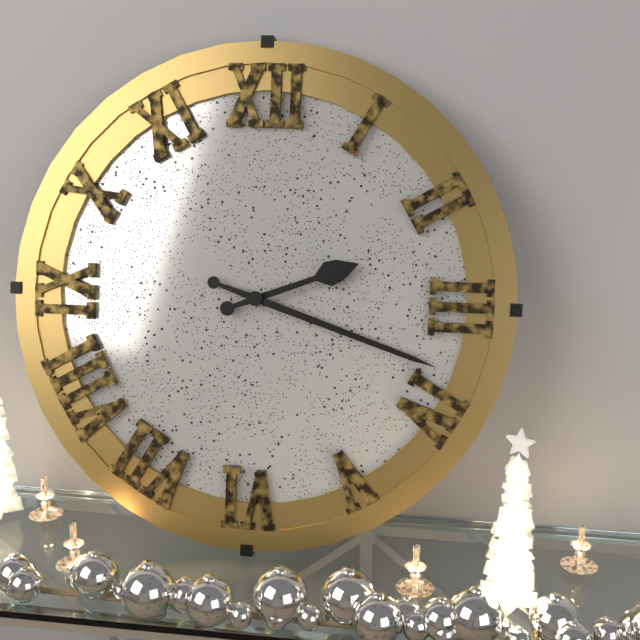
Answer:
{"hour": 2, "minute": 18}
